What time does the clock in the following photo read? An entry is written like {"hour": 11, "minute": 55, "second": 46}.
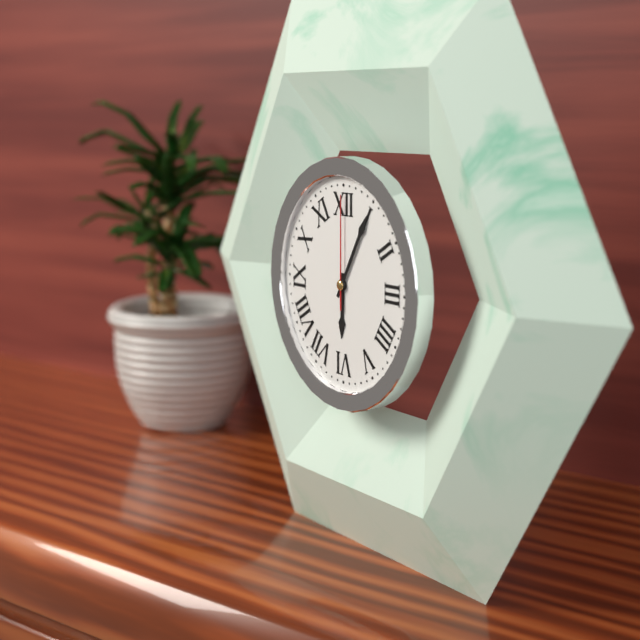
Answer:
{"hour": 6, "minute": 5, "second": 0}
